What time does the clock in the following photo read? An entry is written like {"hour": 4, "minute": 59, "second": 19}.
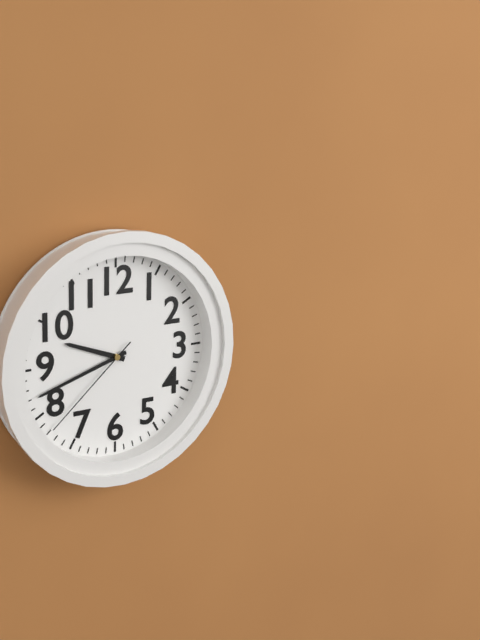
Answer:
{"hour": 9, "minute": 42, "second": 38}
